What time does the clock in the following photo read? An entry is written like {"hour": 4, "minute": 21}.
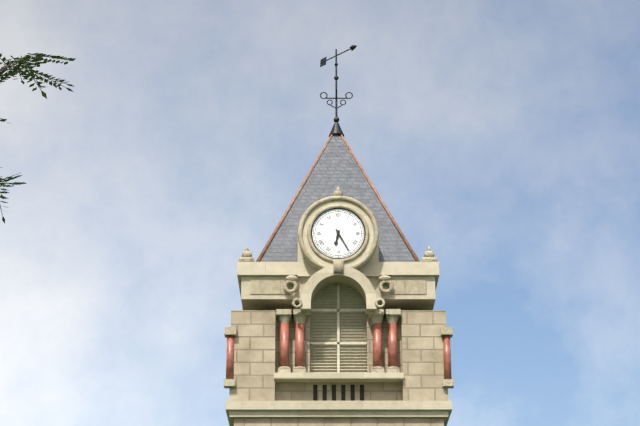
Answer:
{"hour": 6, "minute": 25}
